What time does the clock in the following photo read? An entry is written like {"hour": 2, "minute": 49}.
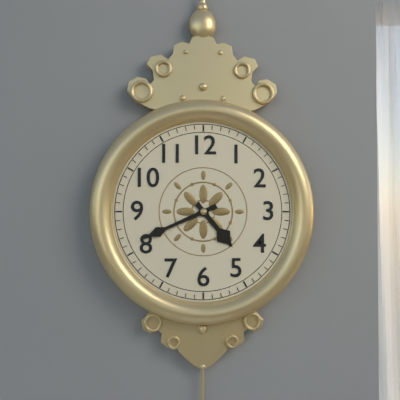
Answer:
{"hour": 4, "minute": 41}
